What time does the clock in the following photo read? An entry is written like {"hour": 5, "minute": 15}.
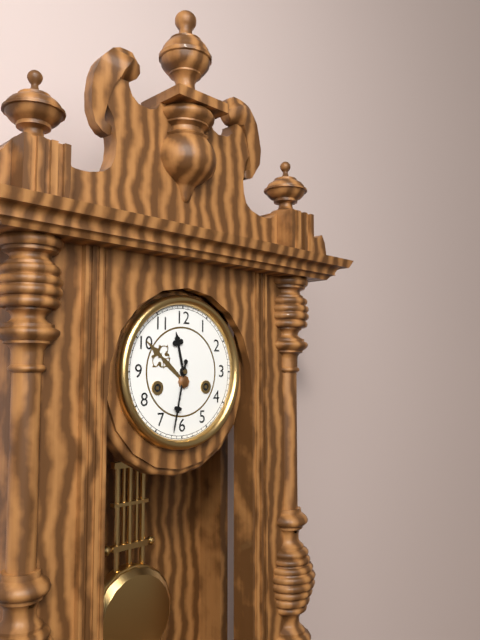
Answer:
{"hour": 11, "minute": 32}
